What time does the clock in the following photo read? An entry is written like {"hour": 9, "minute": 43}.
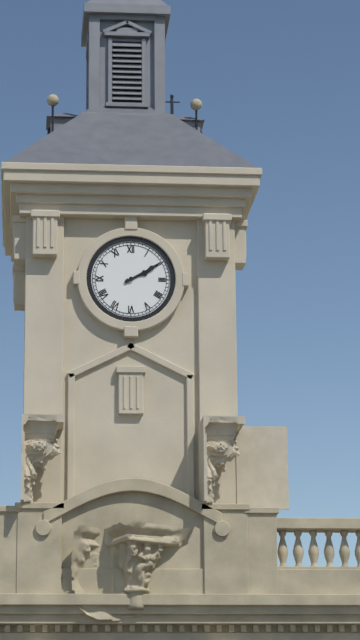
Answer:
{"hour": 2, "minute": 10}
